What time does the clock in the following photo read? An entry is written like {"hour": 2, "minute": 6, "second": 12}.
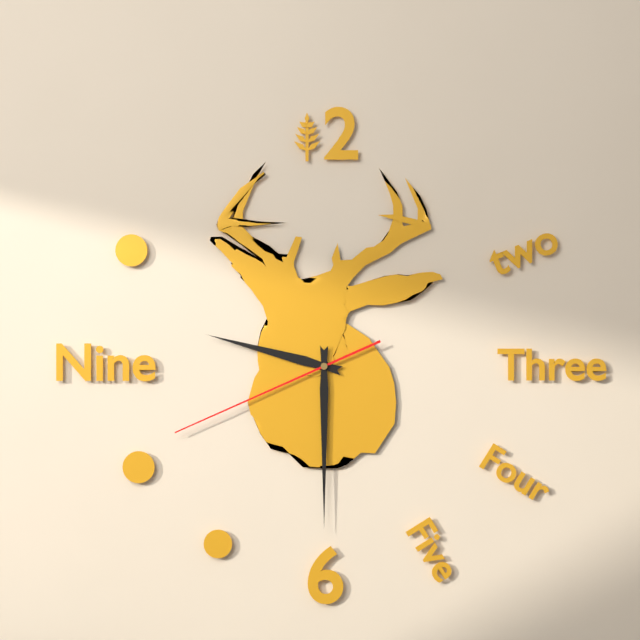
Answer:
{"hour": 9, "minute": 30, "second": 41}
